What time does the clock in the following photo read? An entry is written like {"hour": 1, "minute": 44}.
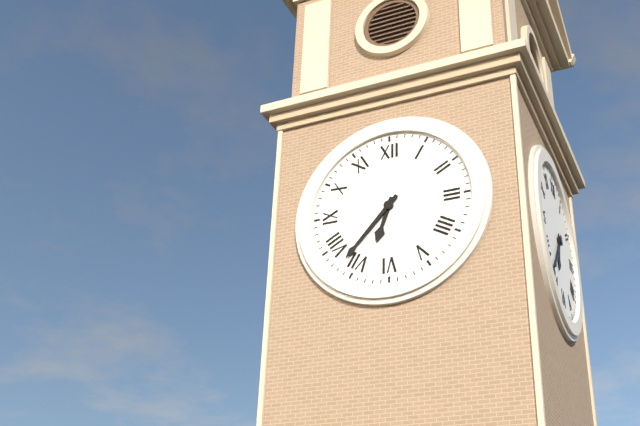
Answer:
{"hour": 6, "minute": 37}
